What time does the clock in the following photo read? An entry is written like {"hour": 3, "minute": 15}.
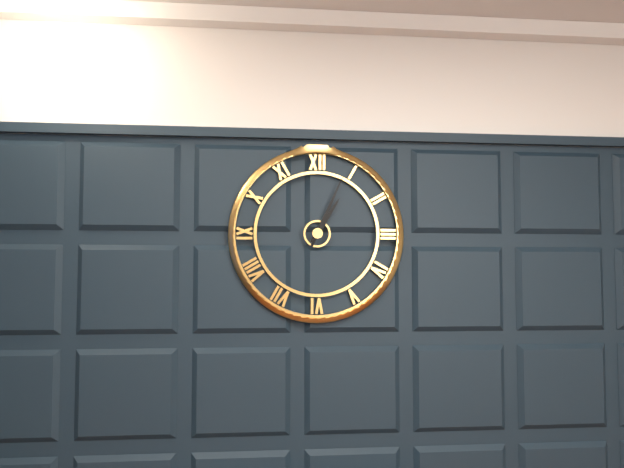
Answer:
{"hour": 1, "minute": 4}
